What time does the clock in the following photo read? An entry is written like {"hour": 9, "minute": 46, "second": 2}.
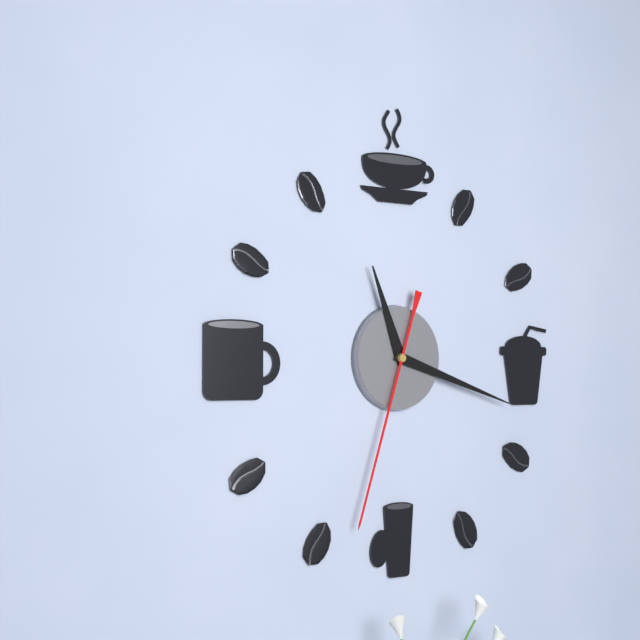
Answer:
{"hour": 11, "minute": 18, "second": 33}
